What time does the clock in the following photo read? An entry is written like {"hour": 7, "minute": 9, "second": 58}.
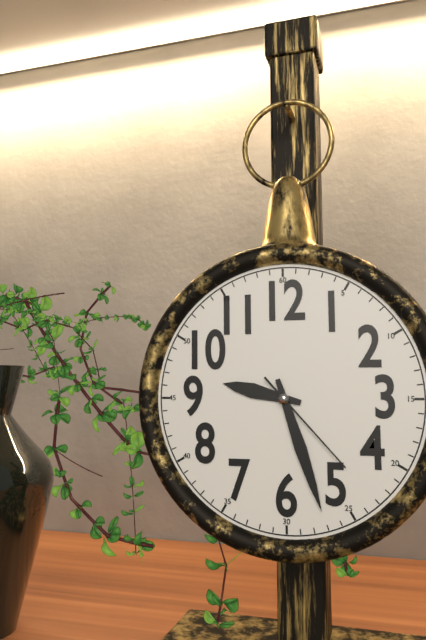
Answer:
{"hour": 9, "minute": 27, "second": 23}
